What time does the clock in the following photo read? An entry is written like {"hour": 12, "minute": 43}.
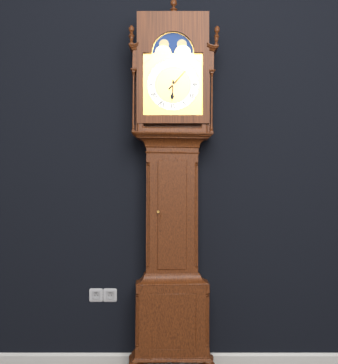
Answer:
{"hour": 6, "minute": 7}
